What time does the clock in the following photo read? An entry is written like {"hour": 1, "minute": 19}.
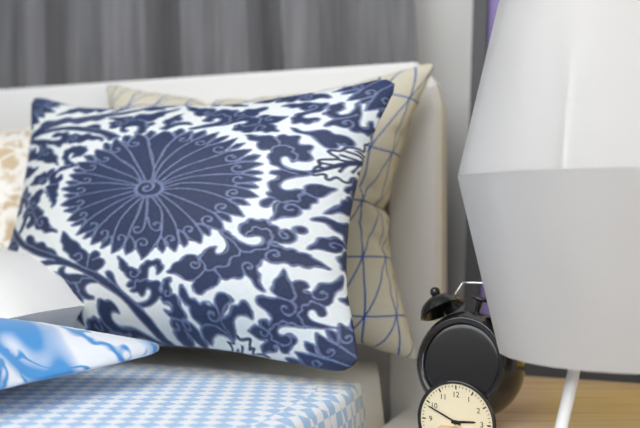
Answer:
{"hour": 2, "minute": 49}
